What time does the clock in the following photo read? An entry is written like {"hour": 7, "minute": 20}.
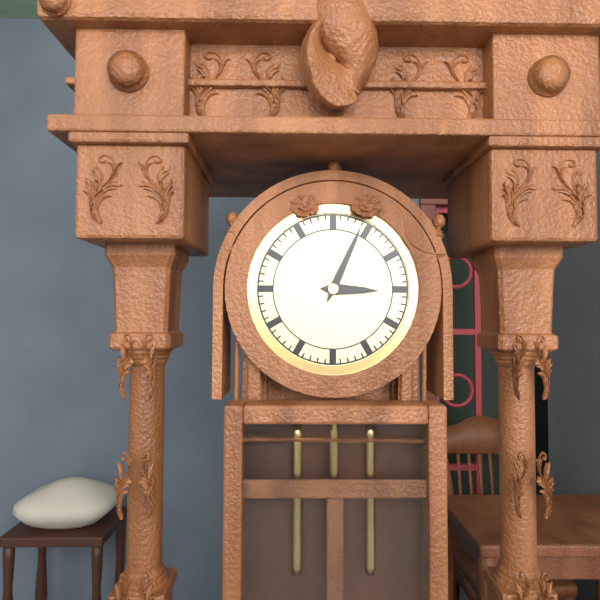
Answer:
{"hour": 3, "minute": 4}
